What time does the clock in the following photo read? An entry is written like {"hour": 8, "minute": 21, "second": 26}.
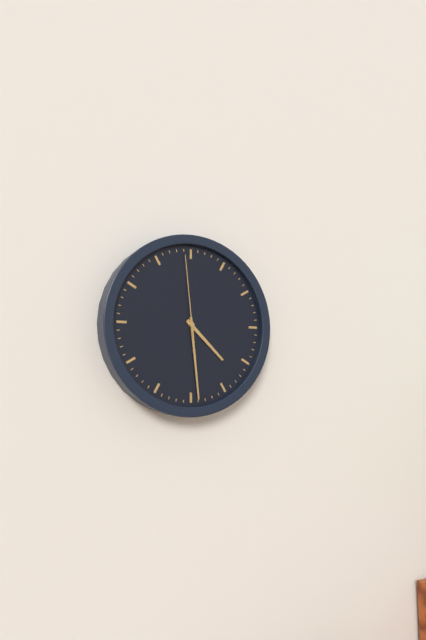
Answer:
{"hour": 4, "minute": 29, "second": 59}
